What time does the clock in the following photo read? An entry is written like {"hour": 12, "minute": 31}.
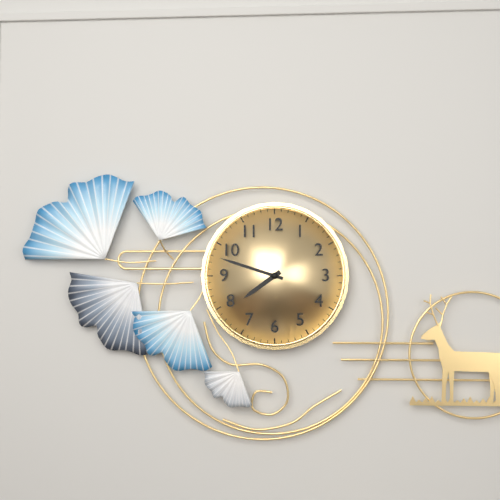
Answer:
{"hour": 7, "minute": 48}
